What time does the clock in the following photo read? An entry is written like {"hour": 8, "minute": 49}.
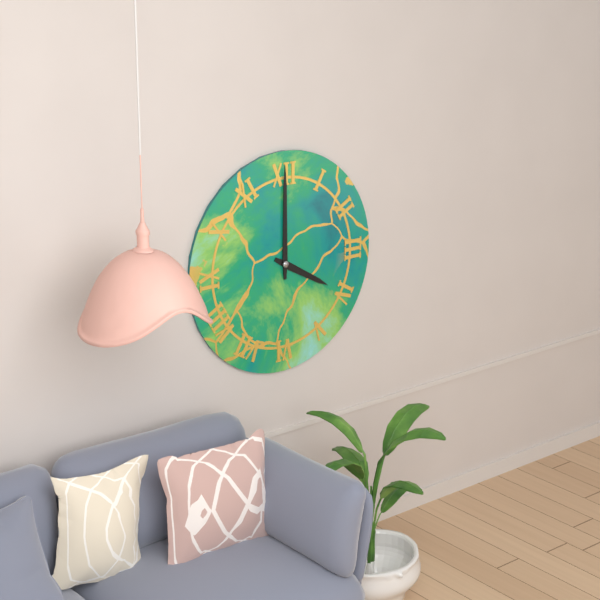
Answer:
{"hour": 4, "minute": 0}
